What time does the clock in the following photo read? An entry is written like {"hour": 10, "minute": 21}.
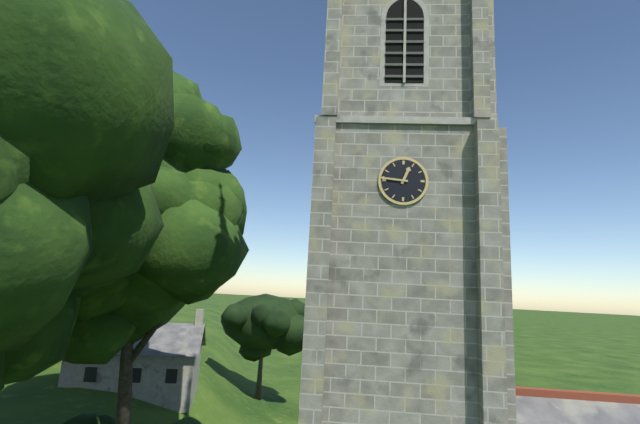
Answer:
{"hour": 12, "minute": 46}
